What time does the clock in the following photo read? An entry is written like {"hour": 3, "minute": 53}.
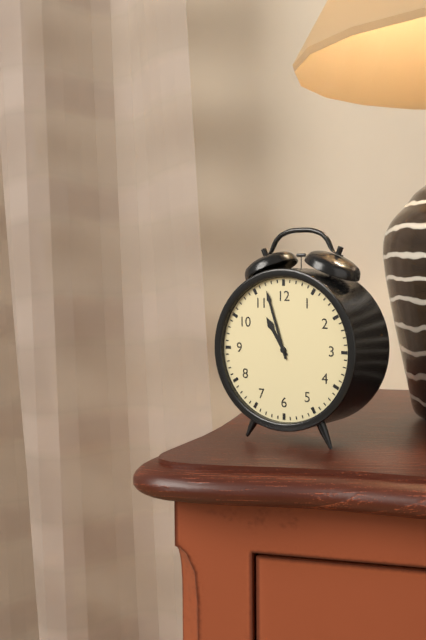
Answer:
{"hour": 10, "minute": 57}
